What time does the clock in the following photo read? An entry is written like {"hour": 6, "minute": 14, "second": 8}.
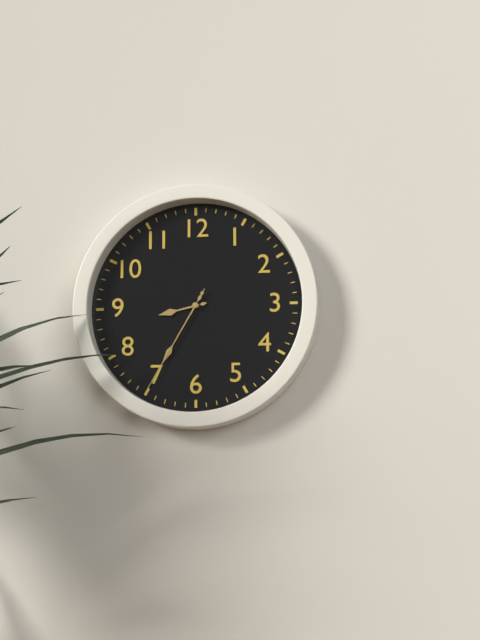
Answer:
{"hour": 8, "minute": 35, "second": 35}
